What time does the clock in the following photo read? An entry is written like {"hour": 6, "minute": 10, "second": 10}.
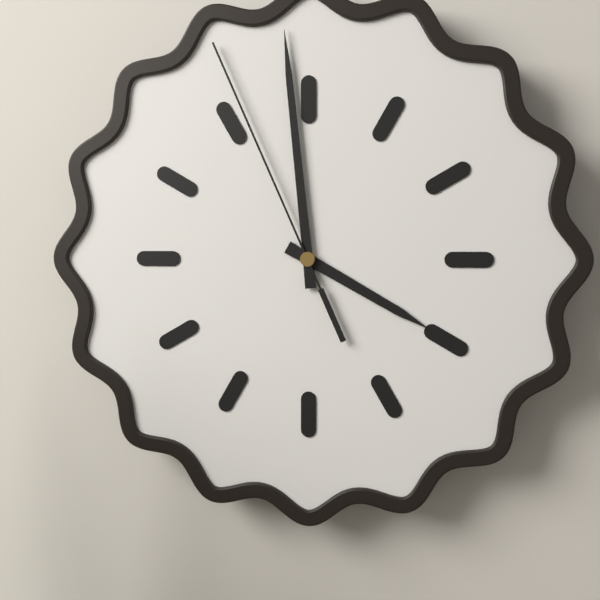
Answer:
{"hour": 3, "minute": 59, "second": 56}
